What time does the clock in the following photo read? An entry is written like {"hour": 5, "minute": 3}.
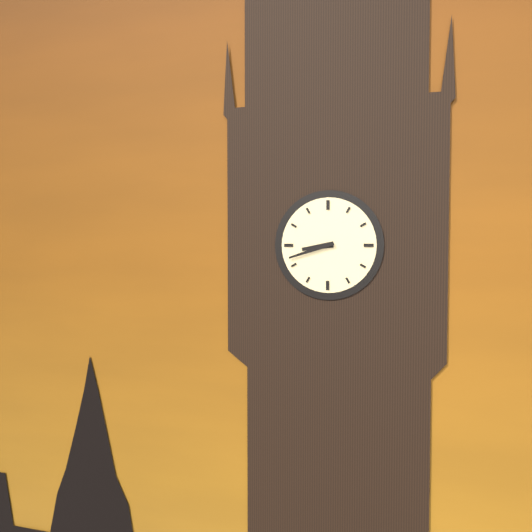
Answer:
{"hour": 8, "minute": 42}
